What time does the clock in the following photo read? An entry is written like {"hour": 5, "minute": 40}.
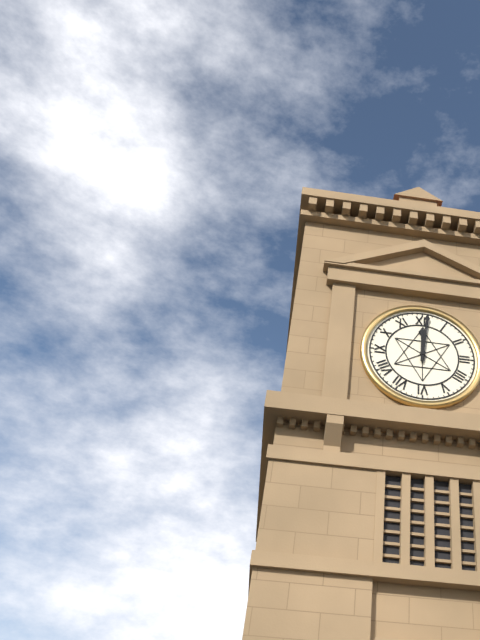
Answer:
{"hour": 12, "minute": 1}
